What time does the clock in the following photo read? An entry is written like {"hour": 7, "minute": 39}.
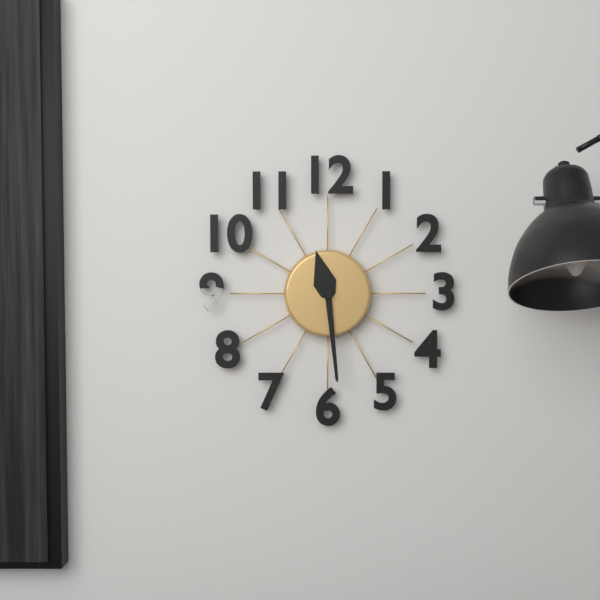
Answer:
{"hour": 11, "minute": 29}
